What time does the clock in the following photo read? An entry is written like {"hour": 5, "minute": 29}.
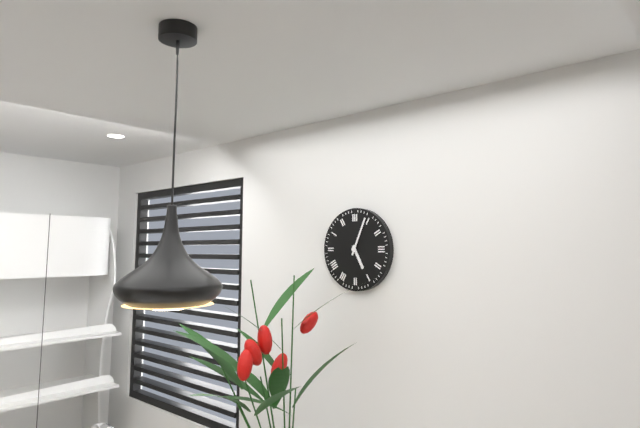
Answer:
{"hour": 5, "minute": 4}
